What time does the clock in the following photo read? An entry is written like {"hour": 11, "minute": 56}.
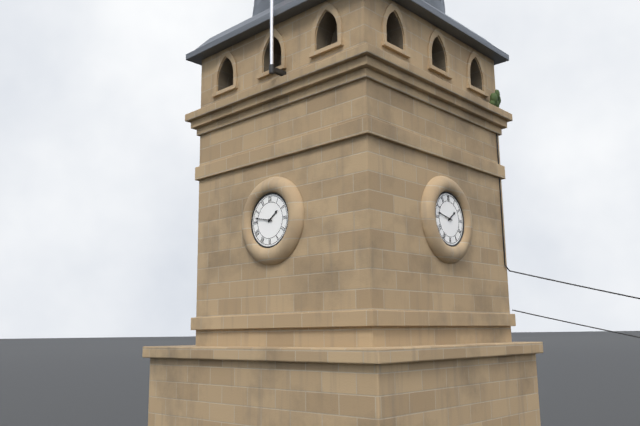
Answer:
{"hour": 1, "minute": 47}
